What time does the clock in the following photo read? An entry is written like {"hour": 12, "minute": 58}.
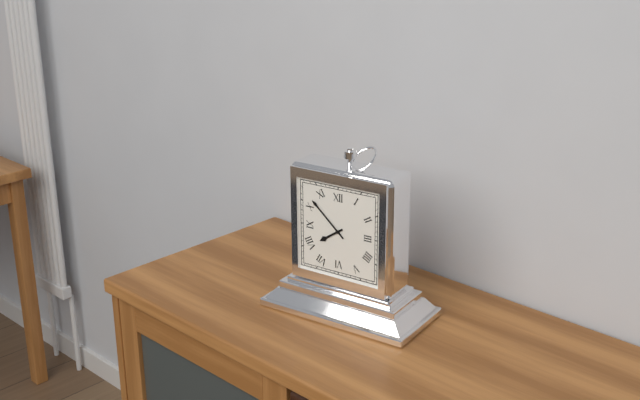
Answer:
{"hour": 7, "minute": 52}
